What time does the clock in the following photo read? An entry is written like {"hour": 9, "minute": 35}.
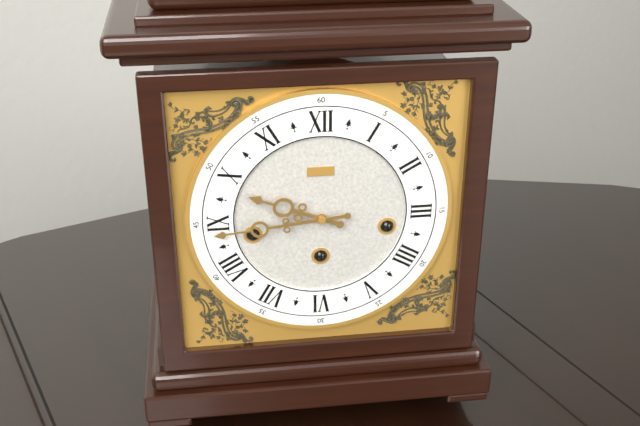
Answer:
{"hour": 9, "minute": 44}
